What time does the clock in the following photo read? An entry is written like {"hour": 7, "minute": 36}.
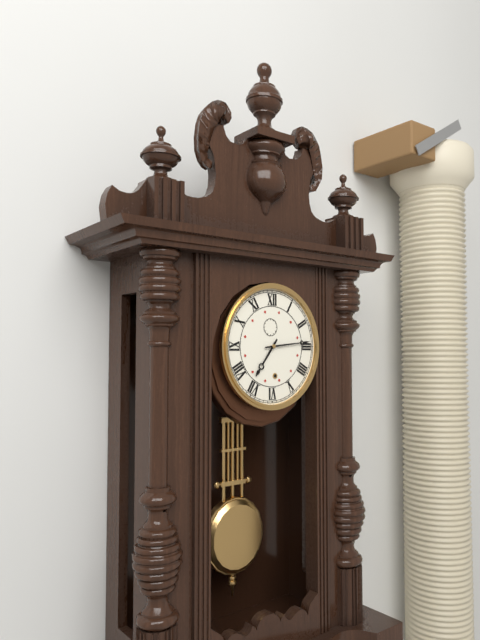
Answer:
{"hour": 7, "minute": 14}
